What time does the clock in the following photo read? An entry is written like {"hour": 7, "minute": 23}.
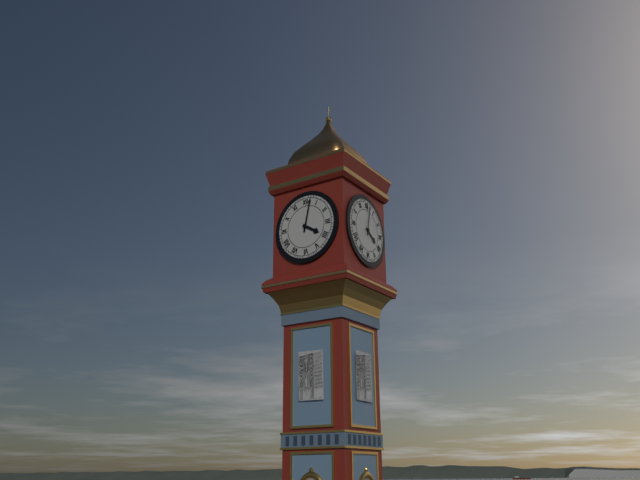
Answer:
{"hour": 4, "minute": 2}
